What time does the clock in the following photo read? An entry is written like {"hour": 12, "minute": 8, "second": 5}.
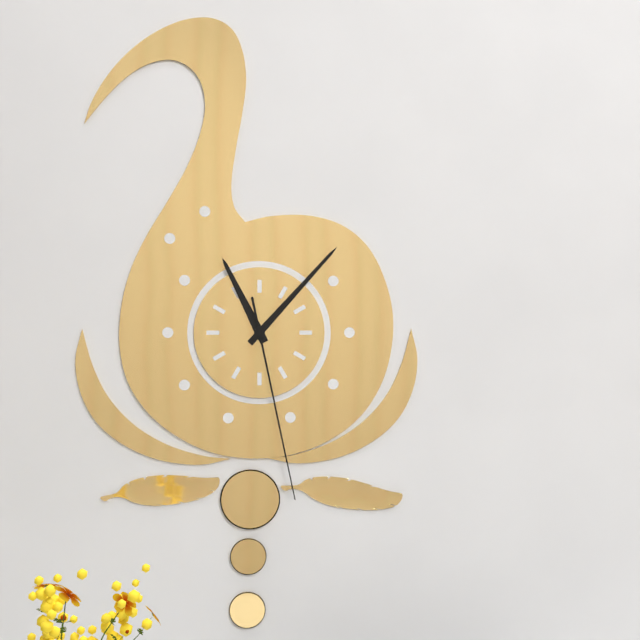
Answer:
{"hour": 11, "minute": 7, "second": 28}
